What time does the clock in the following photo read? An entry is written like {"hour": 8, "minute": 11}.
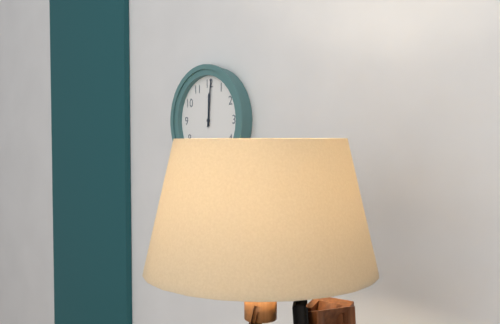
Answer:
{"hour": 12, "minute": 1}
